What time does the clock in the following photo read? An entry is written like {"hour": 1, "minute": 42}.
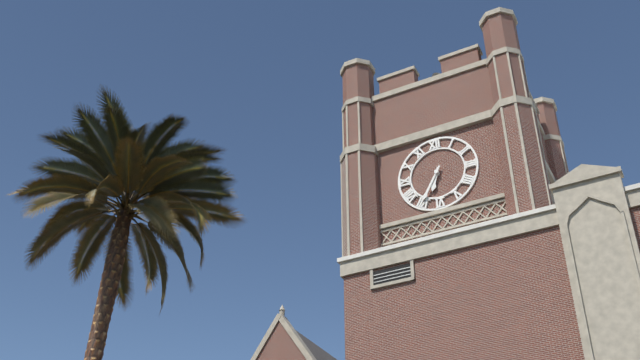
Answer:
{"hour": 6, "minute": 35}
